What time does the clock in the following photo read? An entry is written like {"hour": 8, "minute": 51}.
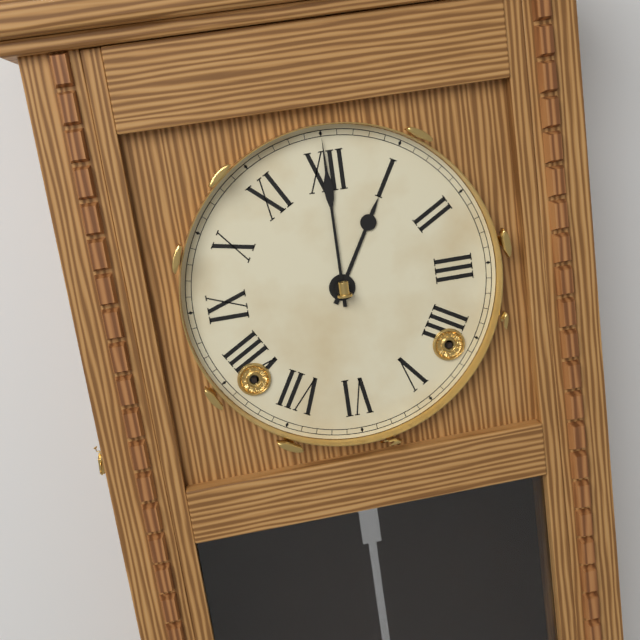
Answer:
{"hour": 1, "minute": 0}
